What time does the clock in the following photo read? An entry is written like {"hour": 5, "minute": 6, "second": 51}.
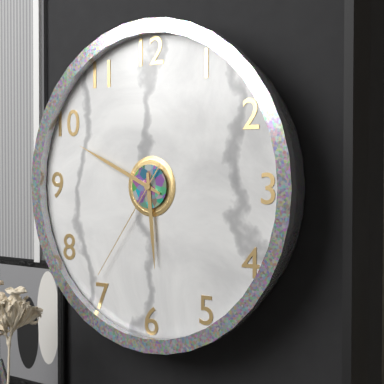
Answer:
{"hour": 5, "minute": 49, "second": 36}
